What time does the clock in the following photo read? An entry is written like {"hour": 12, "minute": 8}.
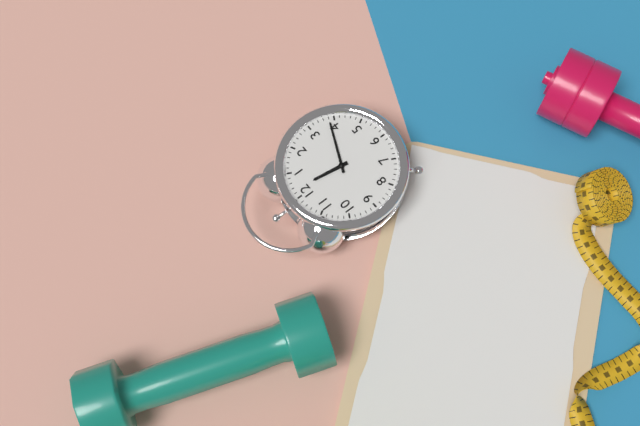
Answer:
{"hour": 12, "minute": 19}
